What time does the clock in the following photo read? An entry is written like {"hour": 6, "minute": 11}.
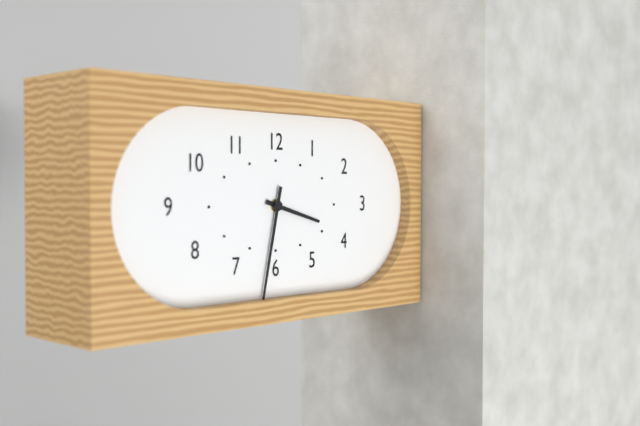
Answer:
{"hour": 3, "minute": 32}
